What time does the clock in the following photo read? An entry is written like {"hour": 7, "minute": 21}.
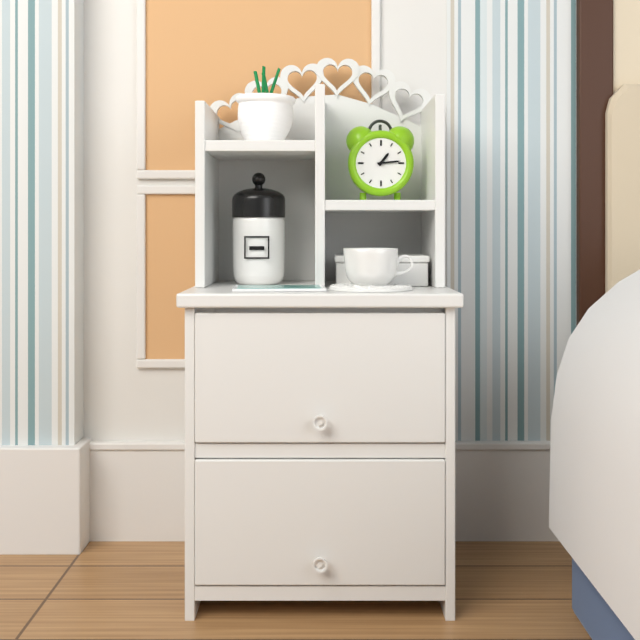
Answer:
{"hour": 1, "minute": 14}
